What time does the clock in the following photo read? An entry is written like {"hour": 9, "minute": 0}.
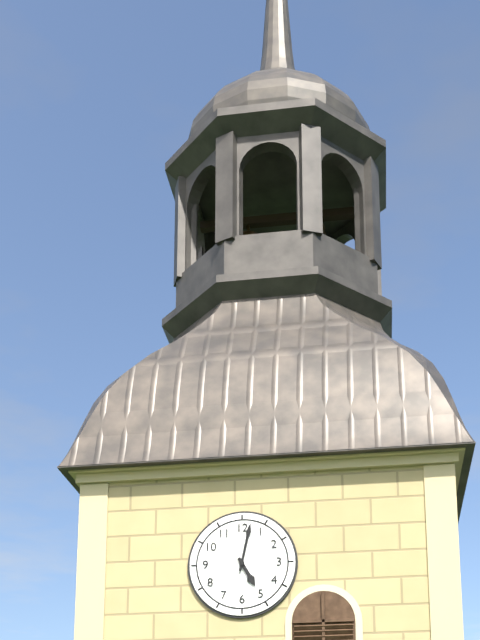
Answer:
{"hour": 5, "minute": 2}
